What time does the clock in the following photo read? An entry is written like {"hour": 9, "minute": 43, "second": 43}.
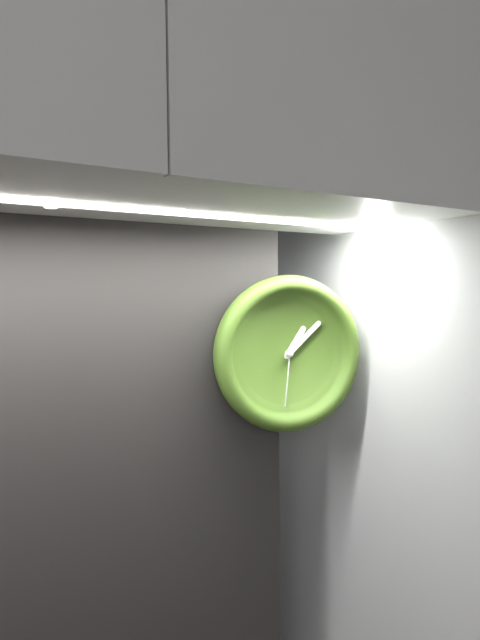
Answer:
{"hour": 1, "minute": 8, "second": 31}
